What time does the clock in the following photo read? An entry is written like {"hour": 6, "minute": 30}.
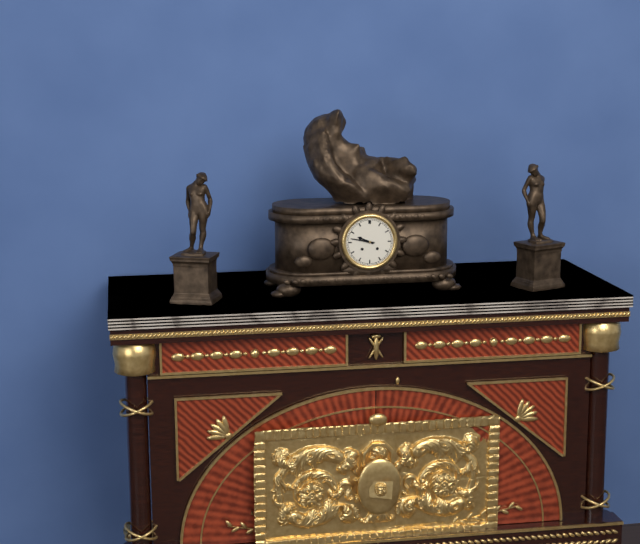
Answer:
{"hour": 9, "minute": 47}
